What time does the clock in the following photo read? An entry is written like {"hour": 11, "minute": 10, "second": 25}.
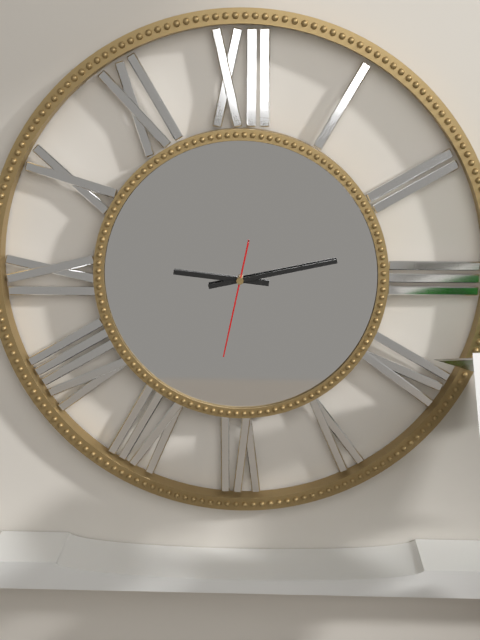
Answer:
{"hour": 9, "minute": 13, "second": 32}
